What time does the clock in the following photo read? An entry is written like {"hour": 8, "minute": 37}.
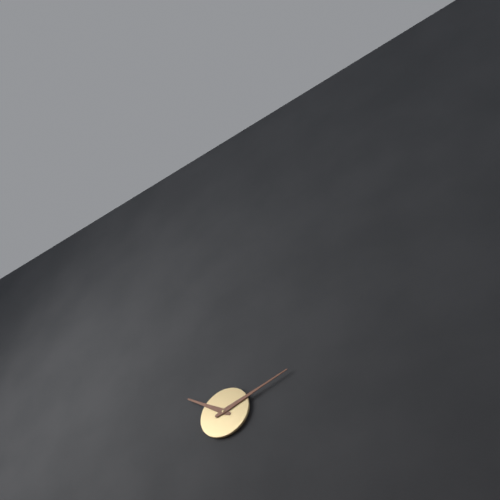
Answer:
{"hour": 10, "minute": 12}
